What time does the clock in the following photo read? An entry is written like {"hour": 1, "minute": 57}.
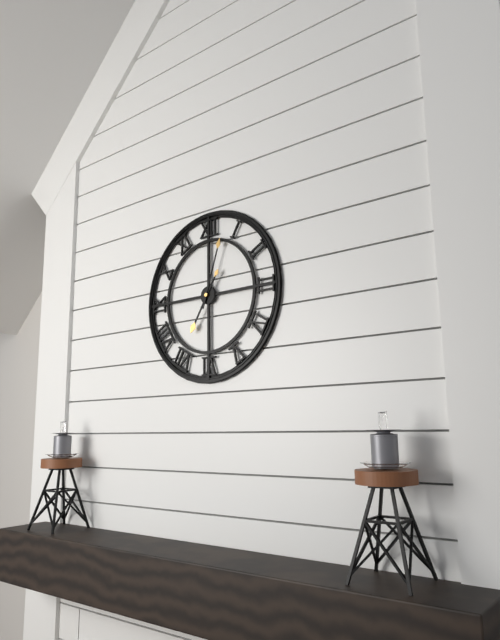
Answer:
{"hour": 7, "minute": 3}
